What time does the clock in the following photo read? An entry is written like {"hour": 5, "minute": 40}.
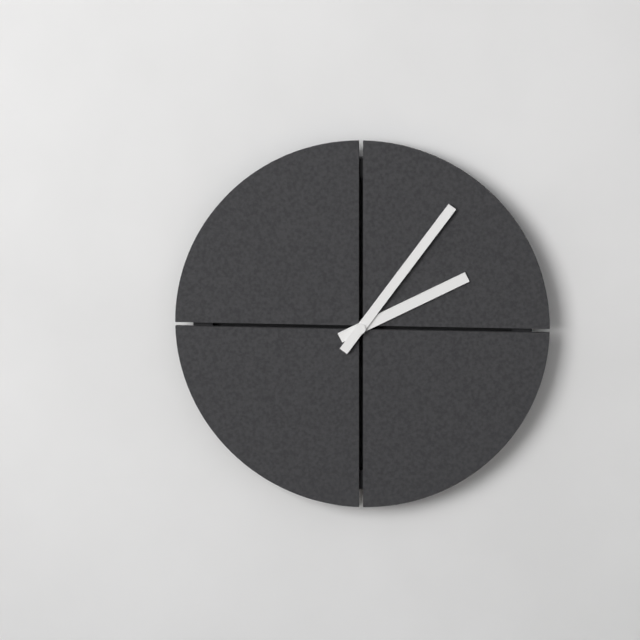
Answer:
{"hour": 2, "minute": 6}
